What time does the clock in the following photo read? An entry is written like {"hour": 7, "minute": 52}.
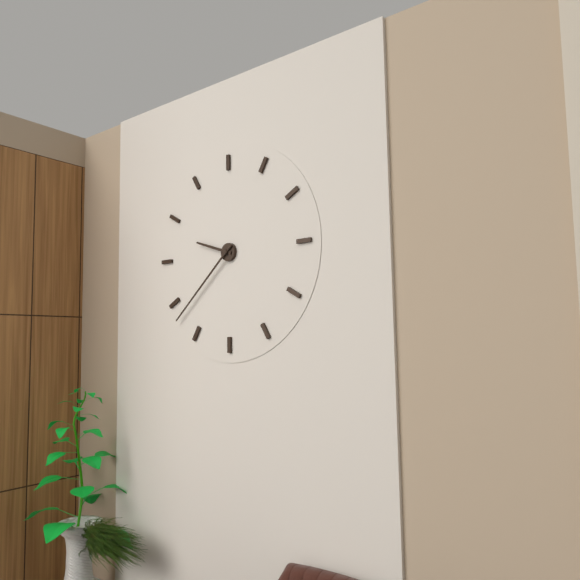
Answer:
{"hour": 9, "minute": 38}
